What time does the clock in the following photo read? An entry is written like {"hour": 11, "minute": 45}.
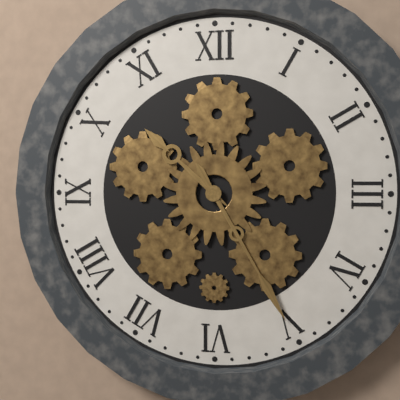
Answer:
{"hour": 10, "minute": 25}
